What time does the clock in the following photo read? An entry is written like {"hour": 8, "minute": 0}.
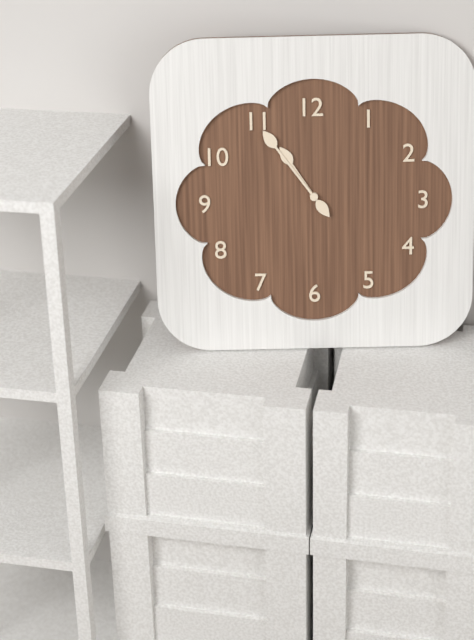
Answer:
{"hour": 10, "minute": 54}
